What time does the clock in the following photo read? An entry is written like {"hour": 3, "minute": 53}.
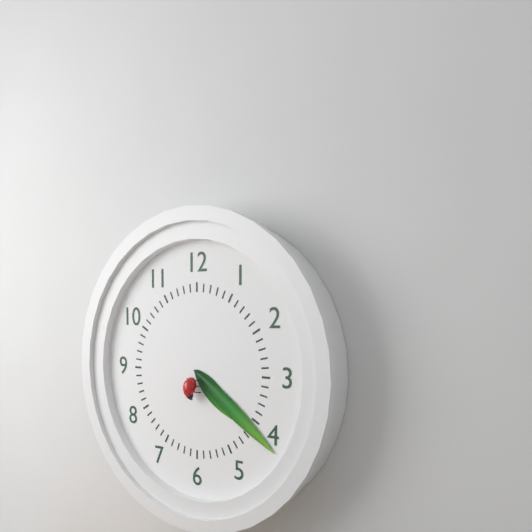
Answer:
{"hour": 4, "minute": 21}
